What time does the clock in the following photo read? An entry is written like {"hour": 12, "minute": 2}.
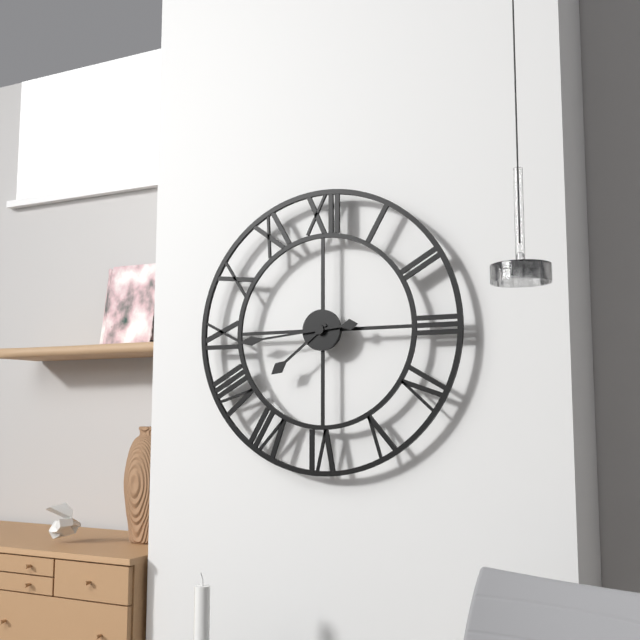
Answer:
{"hour": 7, "minute": 44}
